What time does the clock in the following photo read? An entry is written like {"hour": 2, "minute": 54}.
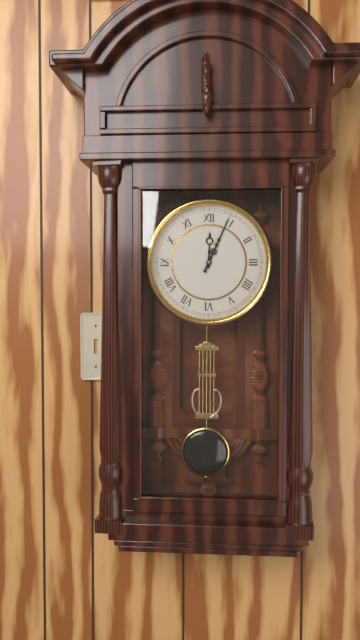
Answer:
{"hour": 12, "minute": 4}
